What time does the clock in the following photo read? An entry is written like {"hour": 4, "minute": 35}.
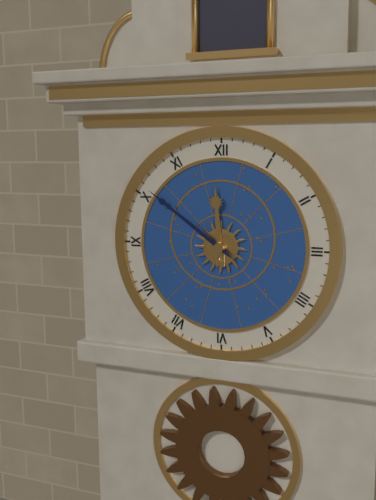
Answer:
{"hour": 11, "minute": 51}
